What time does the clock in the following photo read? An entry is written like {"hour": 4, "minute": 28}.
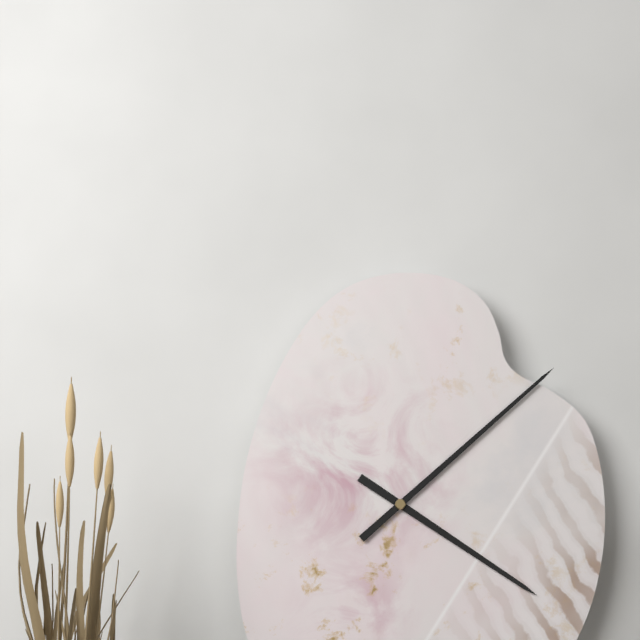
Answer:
{"hour": 4, "minute": 8}
